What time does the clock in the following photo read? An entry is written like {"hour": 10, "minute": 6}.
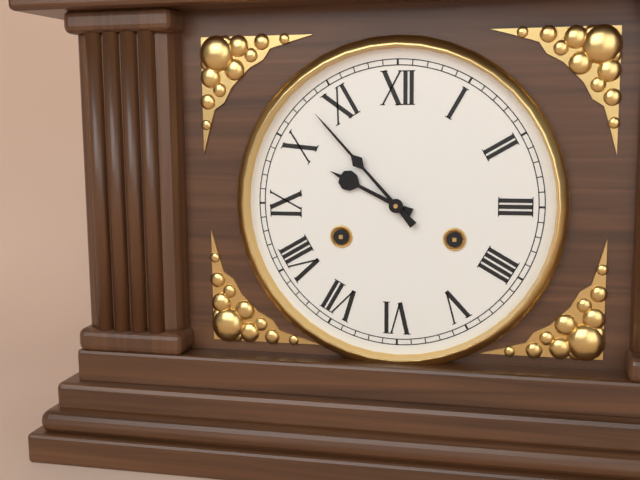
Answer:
{"hour": 9, "minute": 53}
